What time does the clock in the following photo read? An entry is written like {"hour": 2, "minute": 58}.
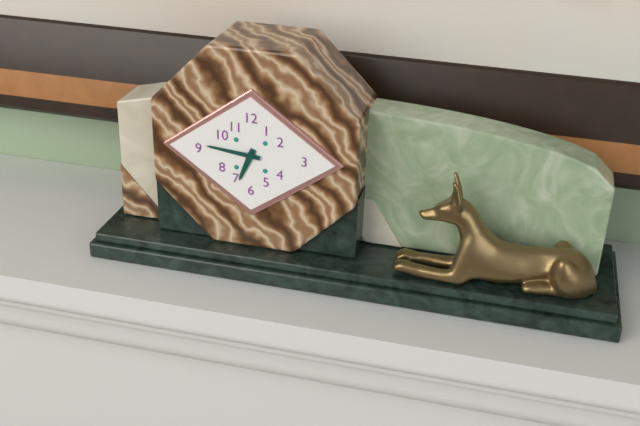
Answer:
{"hour": 6, "minute": 46}
